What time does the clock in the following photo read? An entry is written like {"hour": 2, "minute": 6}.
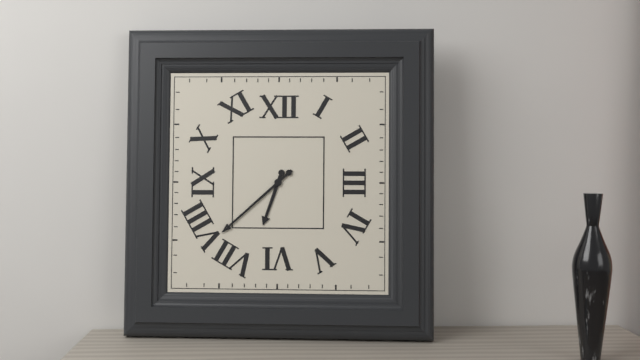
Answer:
{"hour": 6, "minute": 38}
